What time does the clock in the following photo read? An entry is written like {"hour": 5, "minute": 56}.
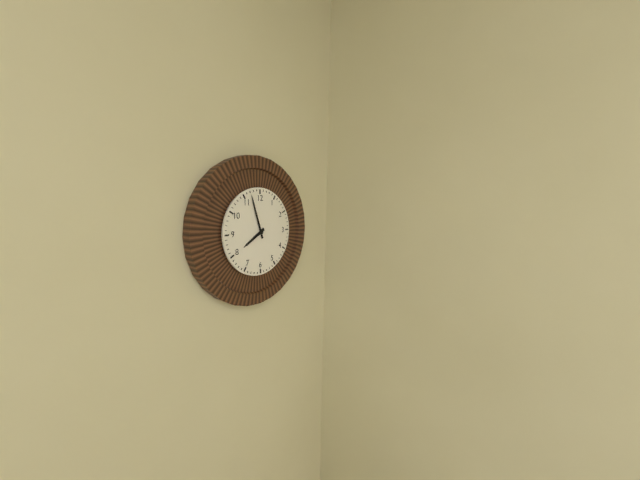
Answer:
{"hour": 7, "minute": 57}
